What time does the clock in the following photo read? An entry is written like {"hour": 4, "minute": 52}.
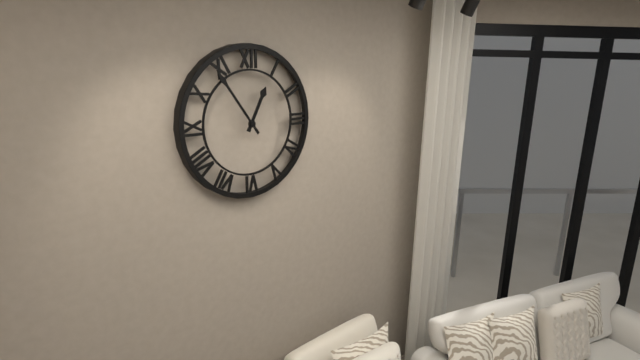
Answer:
{"hour": 12, "minute": 54}
